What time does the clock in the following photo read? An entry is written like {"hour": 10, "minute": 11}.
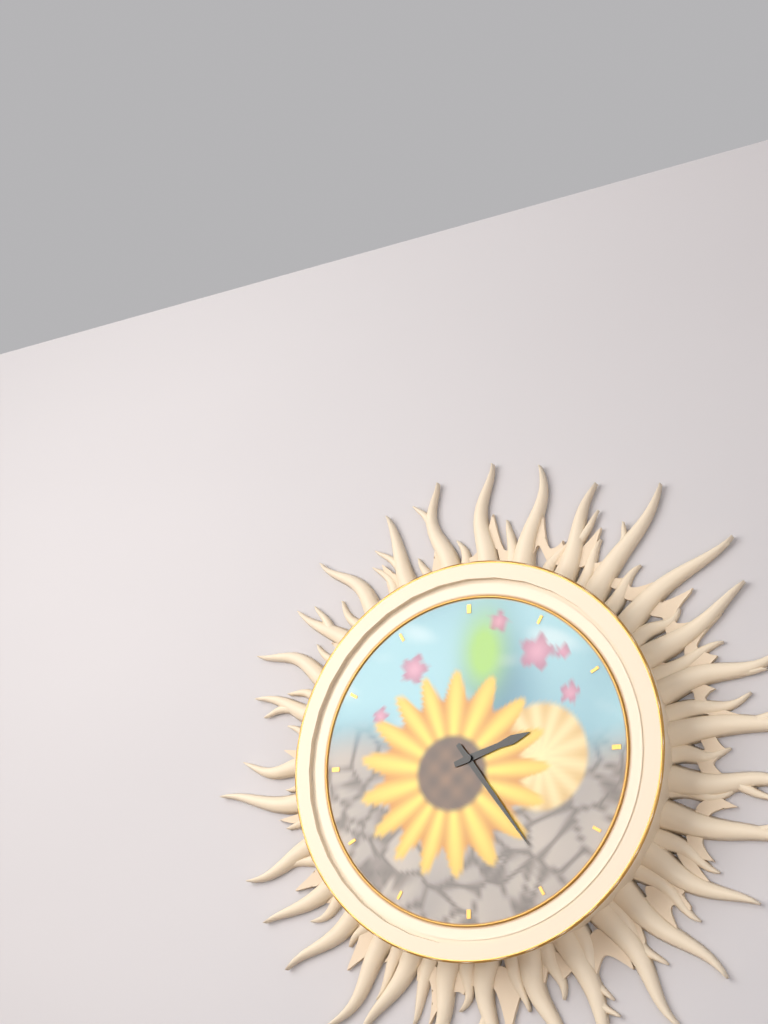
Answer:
{"hour": 2, "minute": 24}
